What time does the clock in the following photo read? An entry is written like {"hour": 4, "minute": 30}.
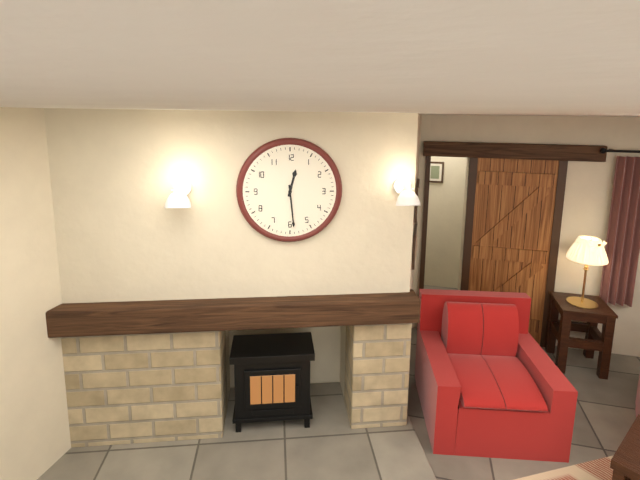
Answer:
{"hour": 12, "minute": 29}
